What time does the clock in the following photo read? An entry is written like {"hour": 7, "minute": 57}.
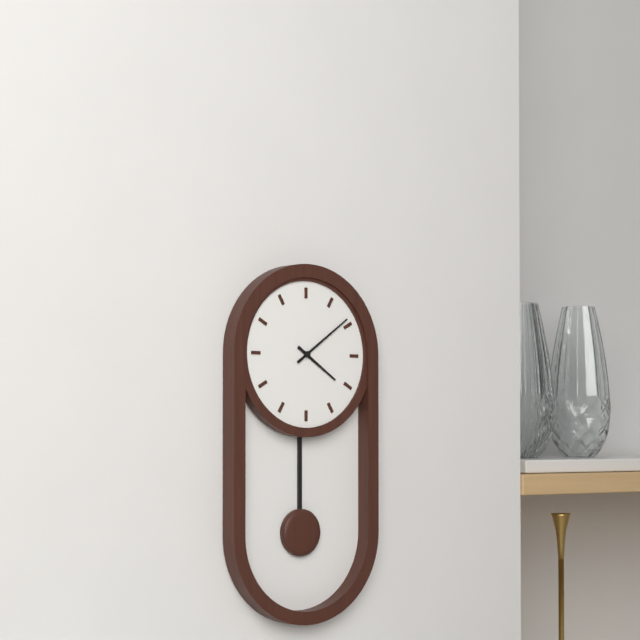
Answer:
{"hour": 4, "minute": 9}
